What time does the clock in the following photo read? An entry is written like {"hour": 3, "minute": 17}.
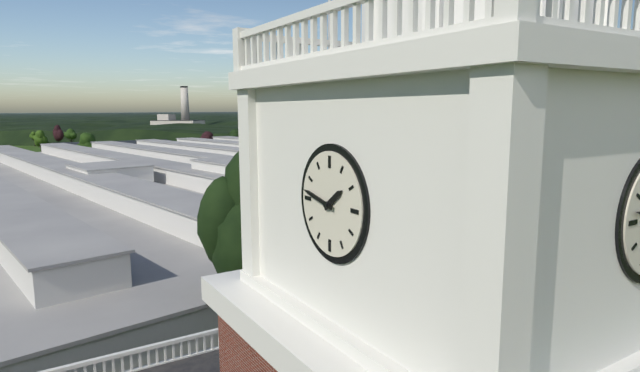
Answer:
{"hour": 1, "minute": 47}
